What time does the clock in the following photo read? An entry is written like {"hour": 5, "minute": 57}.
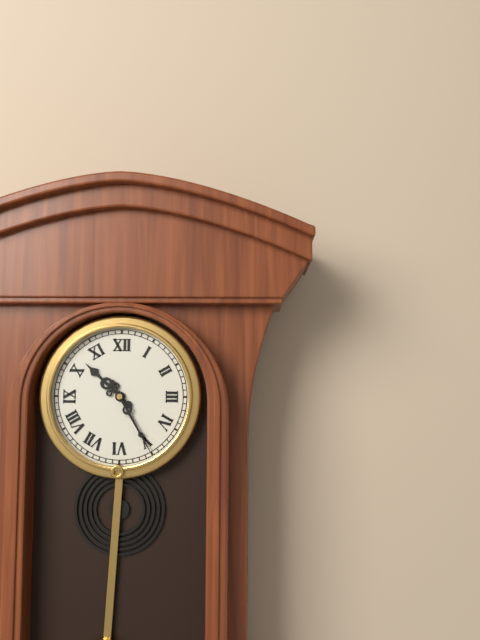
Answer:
{"hour": 10, "minute": 25}
